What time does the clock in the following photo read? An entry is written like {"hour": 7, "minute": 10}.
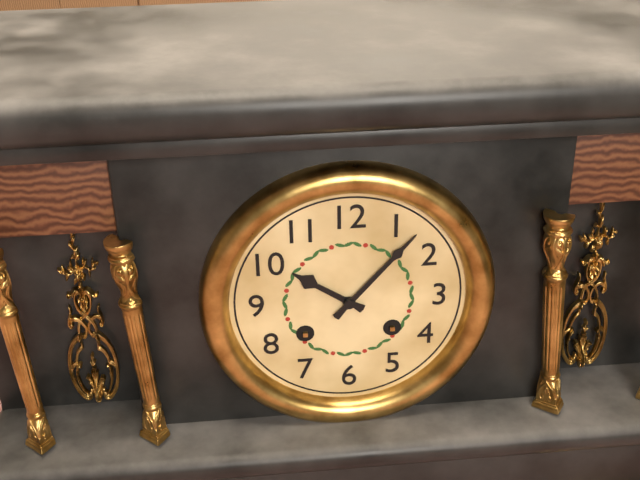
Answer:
{"hour": 10, "minute": 7}
